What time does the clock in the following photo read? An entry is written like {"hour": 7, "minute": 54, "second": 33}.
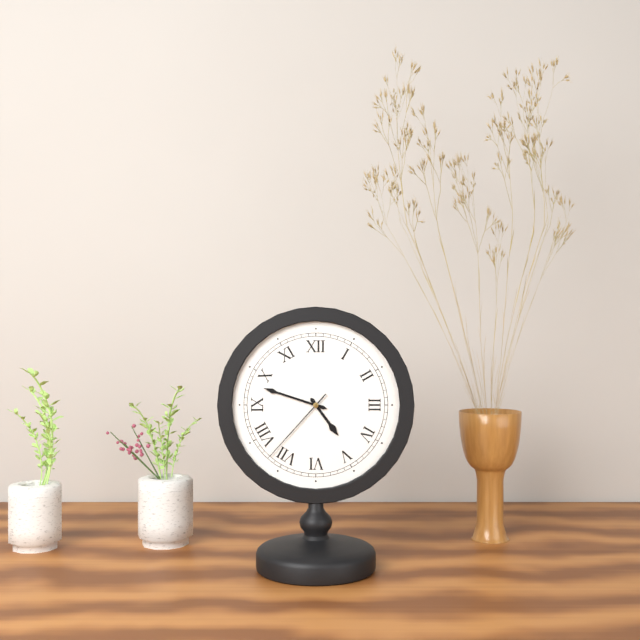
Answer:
{"hour": 4, "minute": 48, "second": 37}
